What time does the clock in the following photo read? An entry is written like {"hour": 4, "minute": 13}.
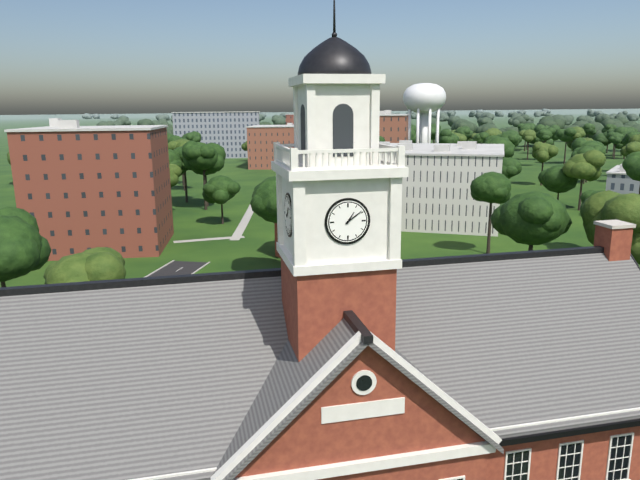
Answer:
{"hour": 1, "minute": 9}
